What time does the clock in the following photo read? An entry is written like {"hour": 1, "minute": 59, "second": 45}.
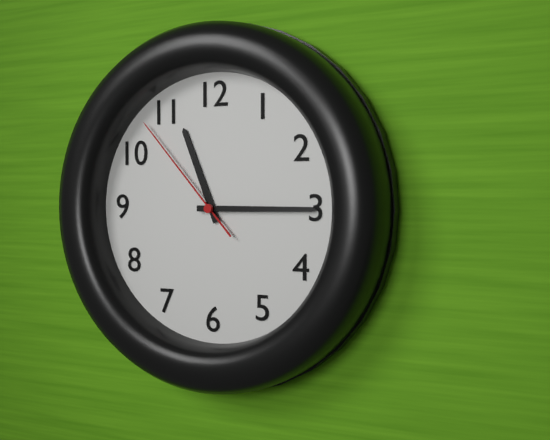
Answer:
{"hour": 11, "minute": 15, "second": 53}
